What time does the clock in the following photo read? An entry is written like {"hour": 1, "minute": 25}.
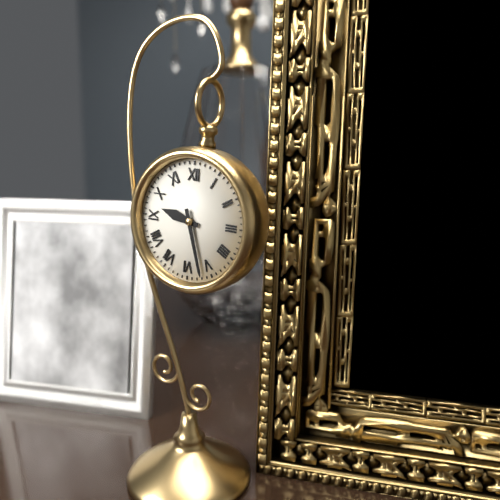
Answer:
{"hour": 9, "minute": 27}
